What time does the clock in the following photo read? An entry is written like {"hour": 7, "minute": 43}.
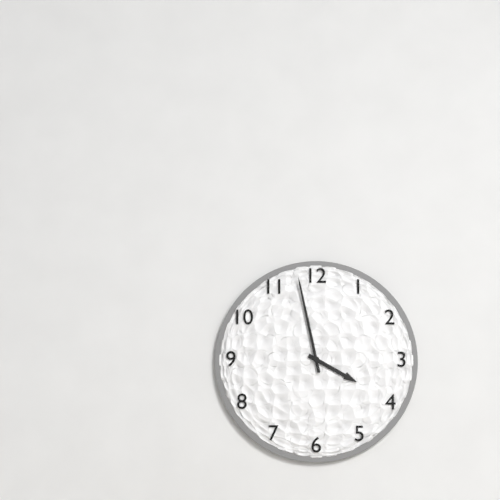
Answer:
{"hour": 3, "minute": 58}
